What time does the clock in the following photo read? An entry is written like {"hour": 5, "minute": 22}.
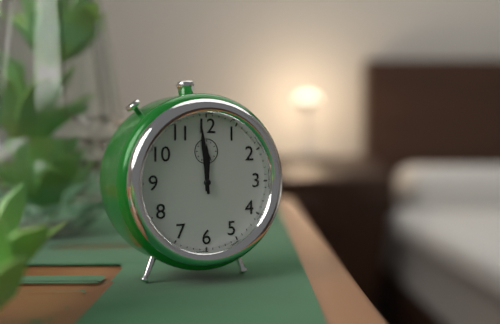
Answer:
{"hour": 11, "minute": 59}
